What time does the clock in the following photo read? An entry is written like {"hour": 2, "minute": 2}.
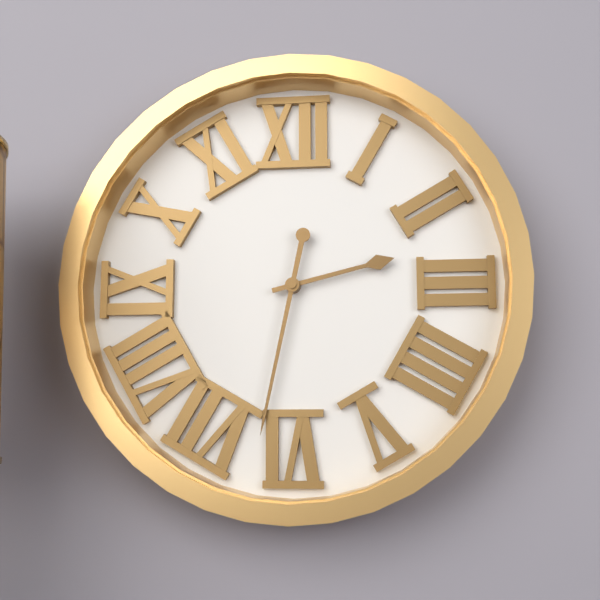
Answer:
{"hour": 2, "minute": 32}
